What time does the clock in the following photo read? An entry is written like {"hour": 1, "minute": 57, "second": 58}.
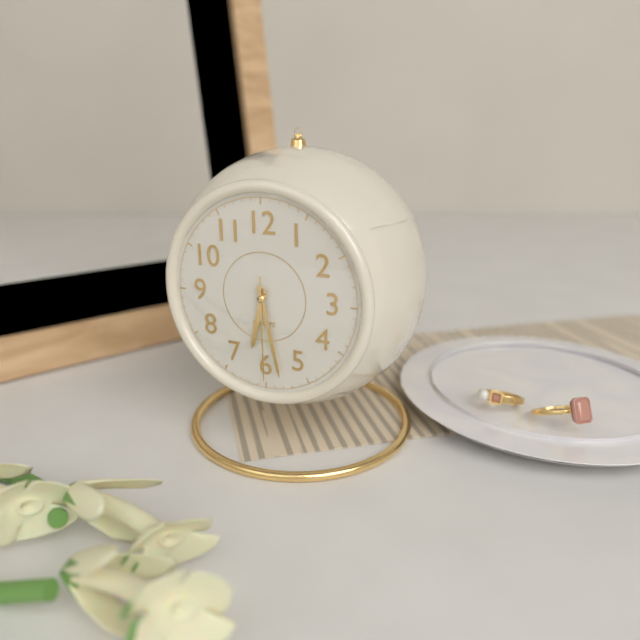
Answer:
{"hour": 6, "minute": 28, "second": 30}
